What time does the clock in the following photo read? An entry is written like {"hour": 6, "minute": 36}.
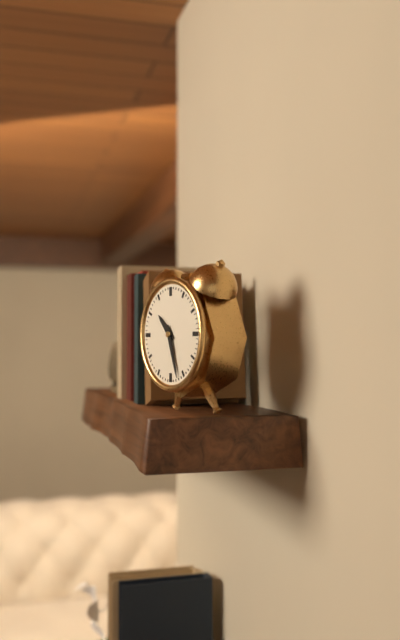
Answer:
{"hour": 10, "minute": 27}
